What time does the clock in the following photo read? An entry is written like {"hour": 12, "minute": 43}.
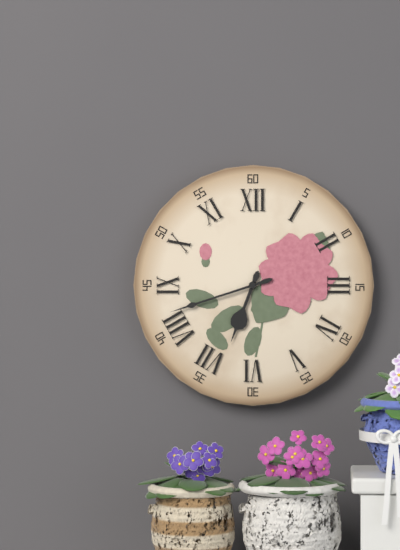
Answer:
{"hour": 6, "minute": 42}
